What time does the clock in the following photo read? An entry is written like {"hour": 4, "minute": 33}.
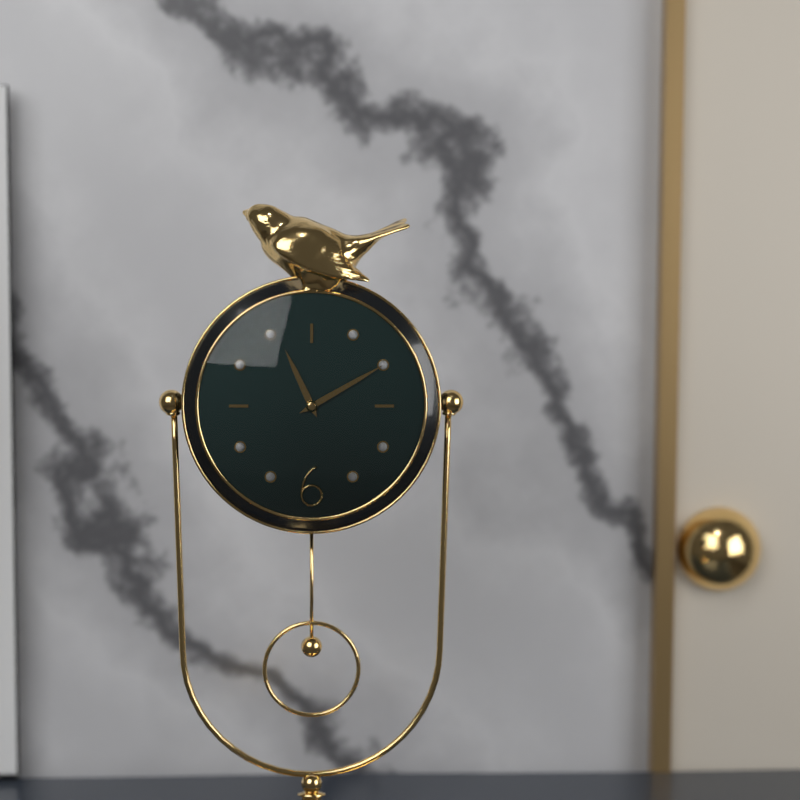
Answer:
{"hour": 11, "minute": 10}
